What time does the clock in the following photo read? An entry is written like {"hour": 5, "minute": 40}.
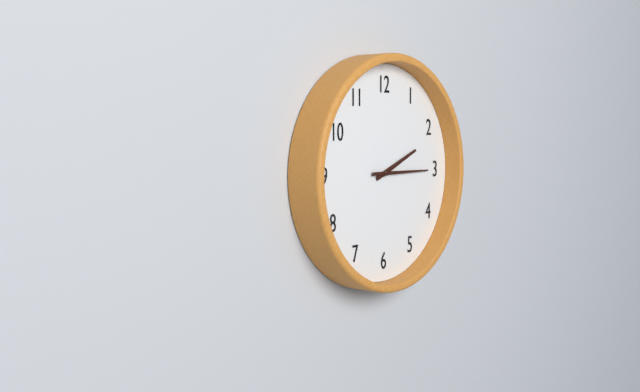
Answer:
{"hour": 2, "minute": 15}
